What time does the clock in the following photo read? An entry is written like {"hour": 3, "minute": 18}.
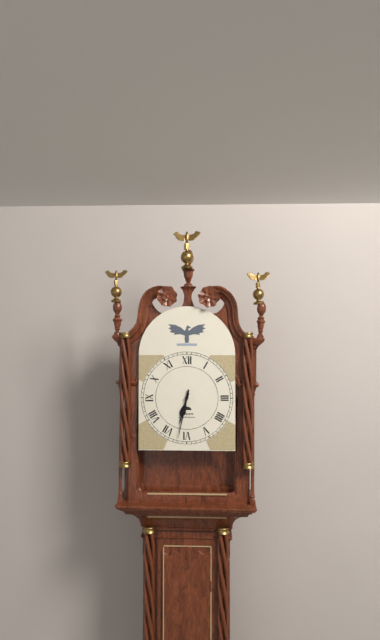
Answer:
{"hour": 6, "minute": 32}
